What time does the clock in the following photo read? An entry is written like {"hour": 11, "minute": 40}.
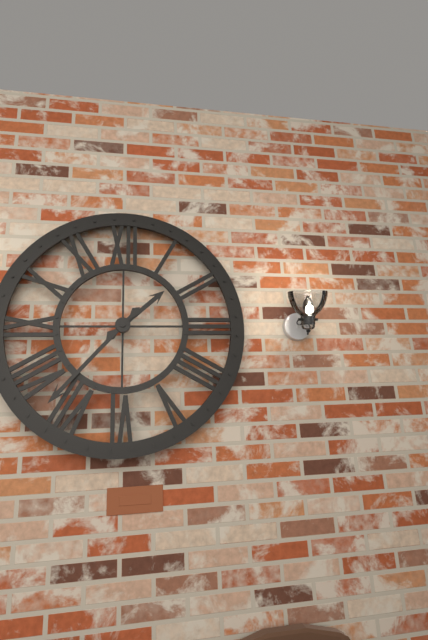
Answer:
{"hour": 1, "minute": 37}
